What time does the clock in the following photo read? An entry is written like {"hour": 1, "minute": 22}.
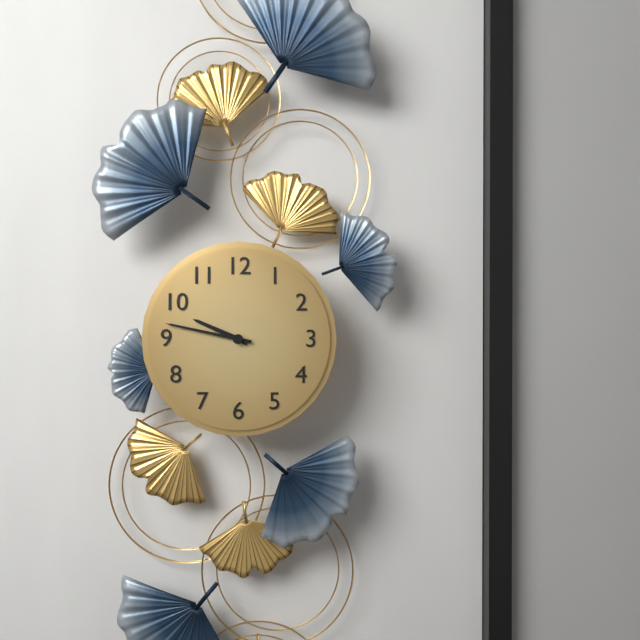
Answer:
{"hour": 9, "minute": 47}
